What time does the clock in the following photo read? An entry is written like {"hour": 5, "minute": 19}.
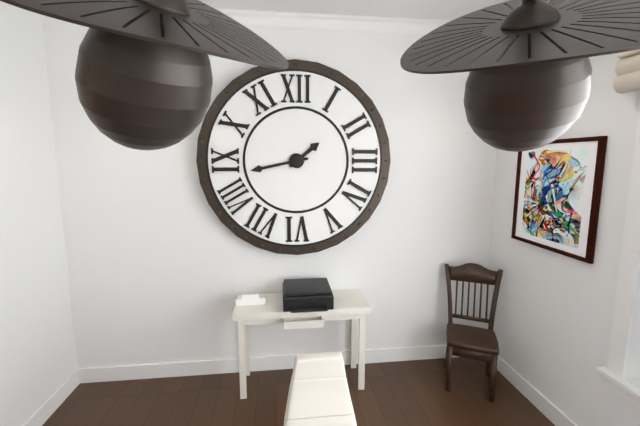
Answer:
{"hour": 1, "minute": 43}
